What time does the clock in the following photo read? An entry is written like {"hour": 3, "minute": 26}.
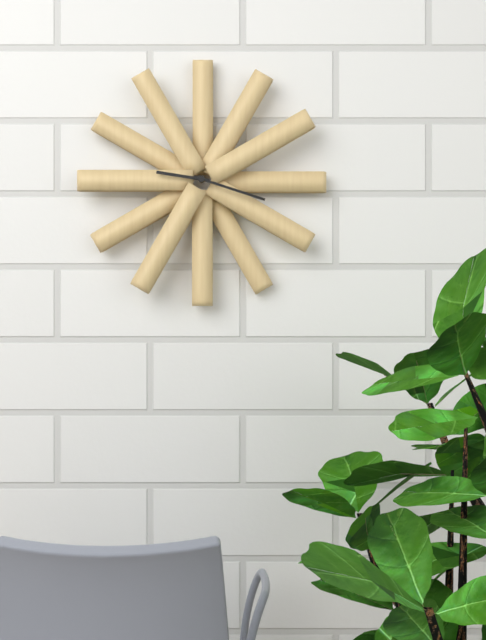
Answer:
{"hour": 9, "minute": 18}
